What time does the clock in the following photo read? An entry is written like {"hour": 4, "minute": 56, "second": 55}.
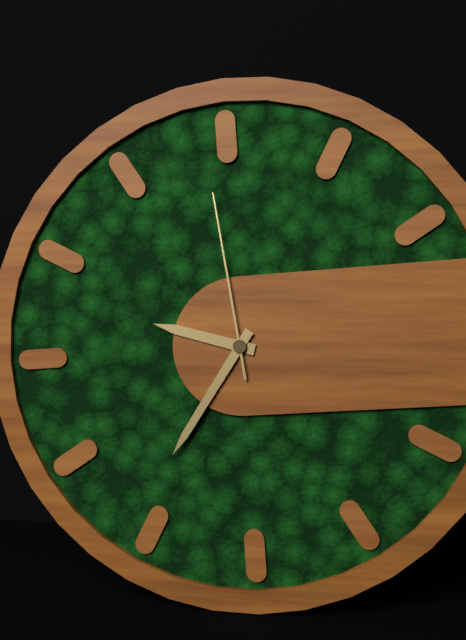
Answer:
{"hour": 9, "minute": 36, "second": 59}
